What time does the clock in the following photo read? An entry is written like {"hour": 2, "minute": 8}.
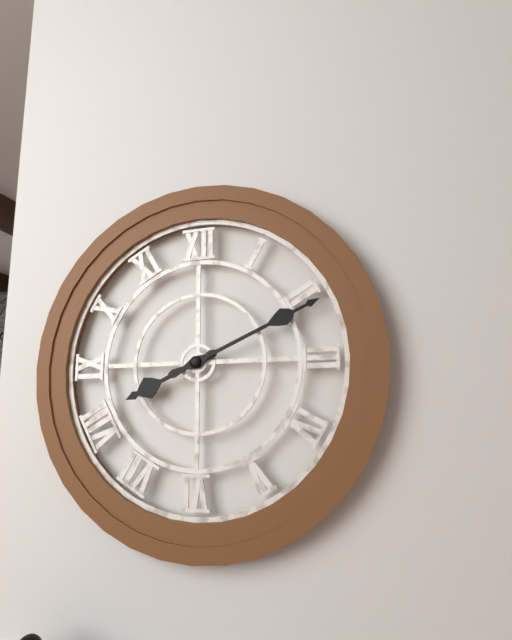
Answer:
{"hour": 8, "minute": 11}
